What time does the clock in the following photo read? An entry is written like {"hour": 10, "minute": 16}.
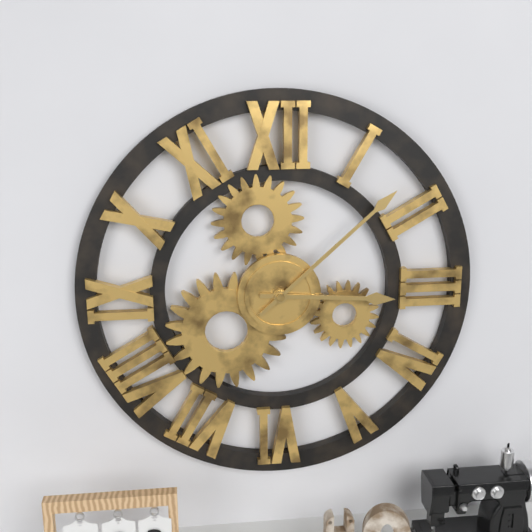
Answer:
{"hour": 3, "minute": 8}
